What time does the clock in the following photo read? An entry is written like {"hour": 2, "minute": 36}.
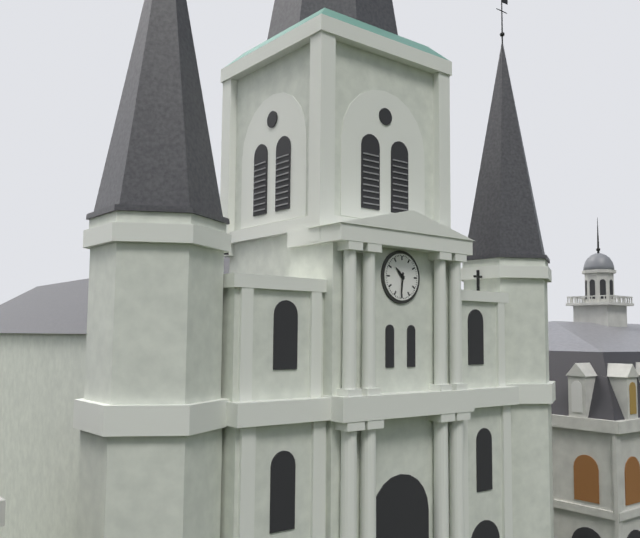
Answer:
{"hour": 10, "minute": 31}
